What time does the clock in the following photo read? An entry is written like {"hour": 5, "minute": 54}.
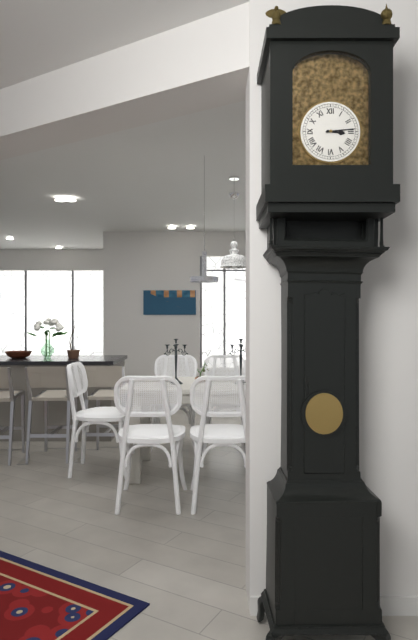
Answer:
{"hour": 3, "minute": 14}
